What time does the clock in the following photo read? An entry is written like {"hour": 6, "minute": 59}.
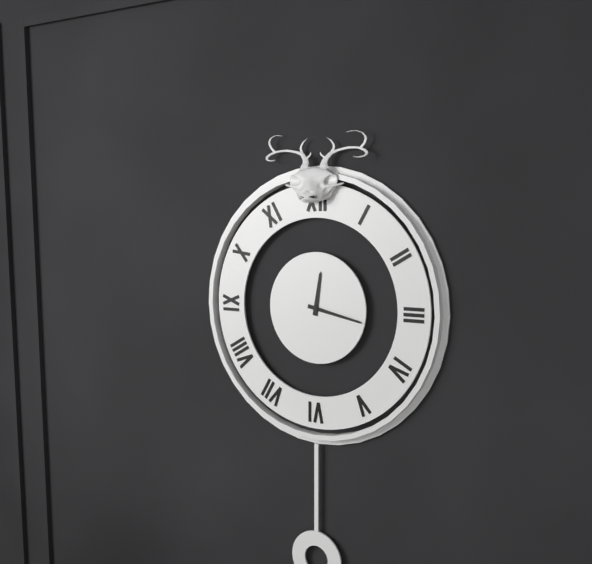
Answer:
{"hour": 12, "minute": 17}
